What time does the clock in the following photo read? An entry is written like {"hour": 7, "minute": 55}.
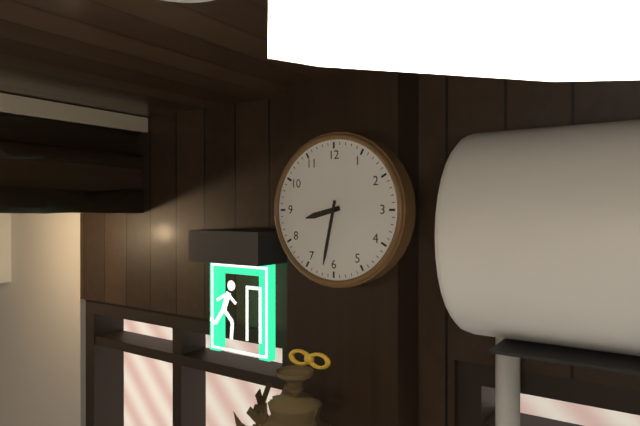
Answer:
{"hour": 8, "minute": 32}
